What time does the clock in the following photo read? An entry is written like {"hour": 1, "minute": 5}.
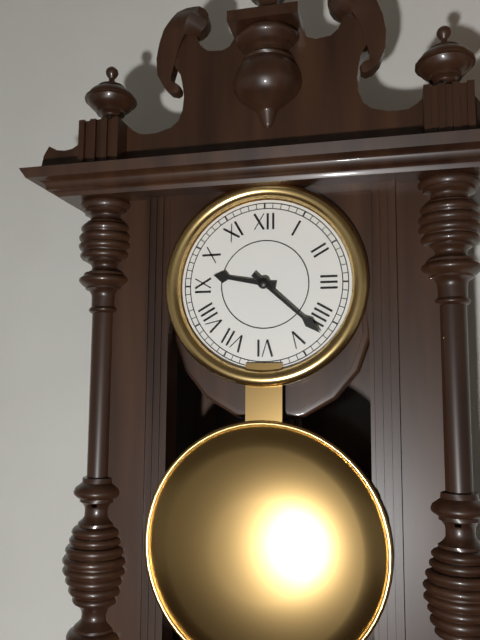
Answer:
{"hour": 9, "minute": 22}
